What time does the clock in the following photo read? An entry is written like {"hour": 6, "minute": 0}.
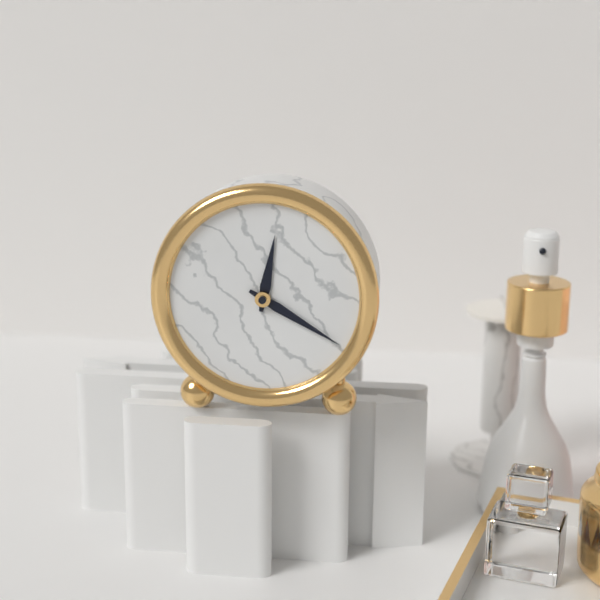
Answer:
{"hour": 12, "minute": 20}
